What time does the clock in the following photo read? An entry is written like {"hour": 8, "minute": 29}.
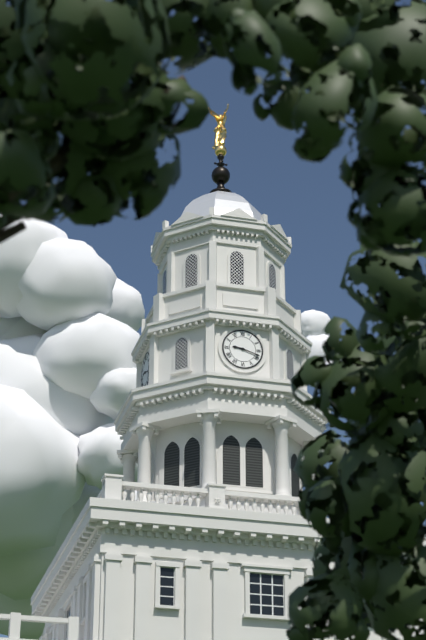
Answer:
{"hour": 9, "minute": 18}
